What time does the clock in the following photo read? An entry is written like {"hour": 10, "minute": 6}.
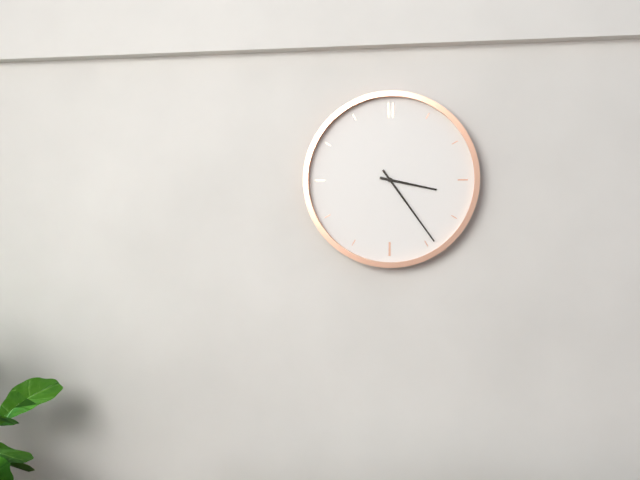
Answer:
{"hour": 3, "minute": 24}
